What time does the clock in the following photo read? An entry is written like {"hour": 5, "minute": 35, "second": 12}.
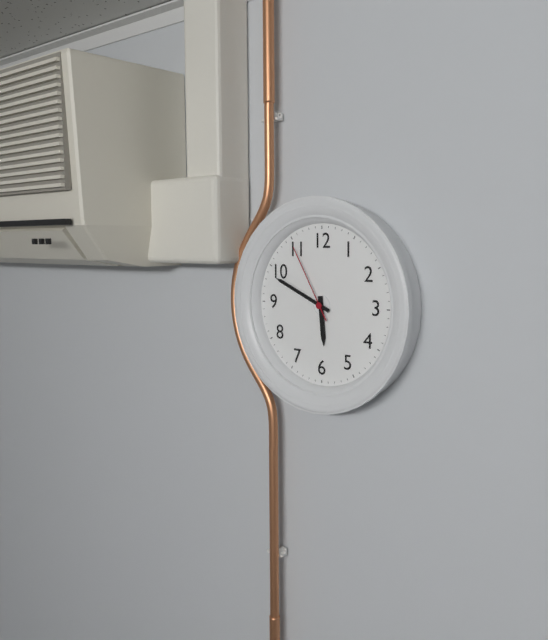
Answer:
{"hour": 5, "minute": 49, "second": 55}
